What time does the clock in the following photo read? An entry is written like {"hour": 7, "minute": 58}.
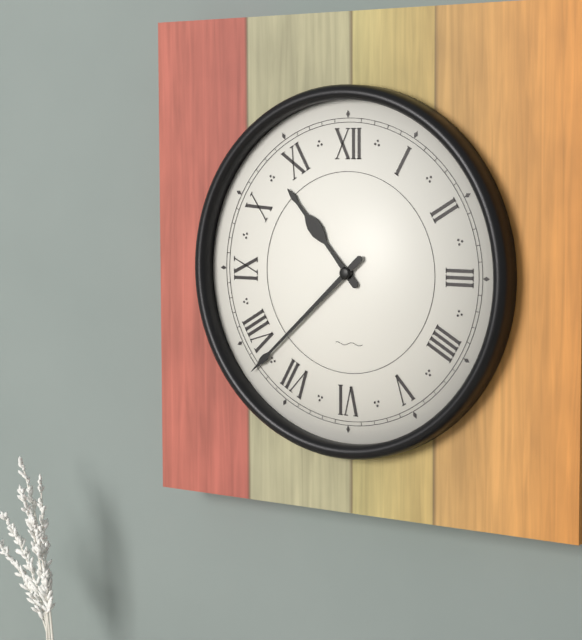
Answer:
{"hour": 10, "minute": 38}
